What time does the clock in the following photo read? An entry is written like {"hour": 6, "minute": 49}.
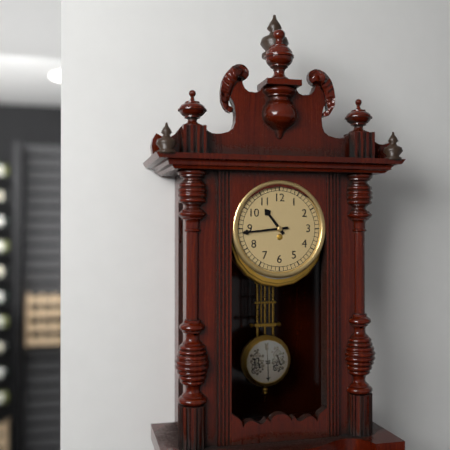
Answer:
{"hour": 10, "minute": 44}
